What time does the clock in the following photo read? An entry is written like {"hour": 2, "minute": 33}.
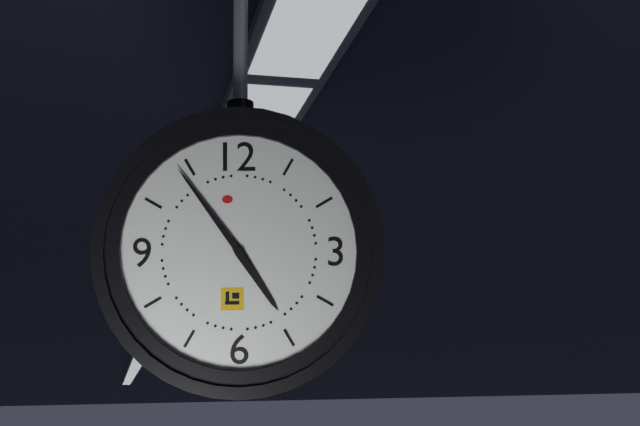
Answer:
{"hour": 4, "minute": 54}
